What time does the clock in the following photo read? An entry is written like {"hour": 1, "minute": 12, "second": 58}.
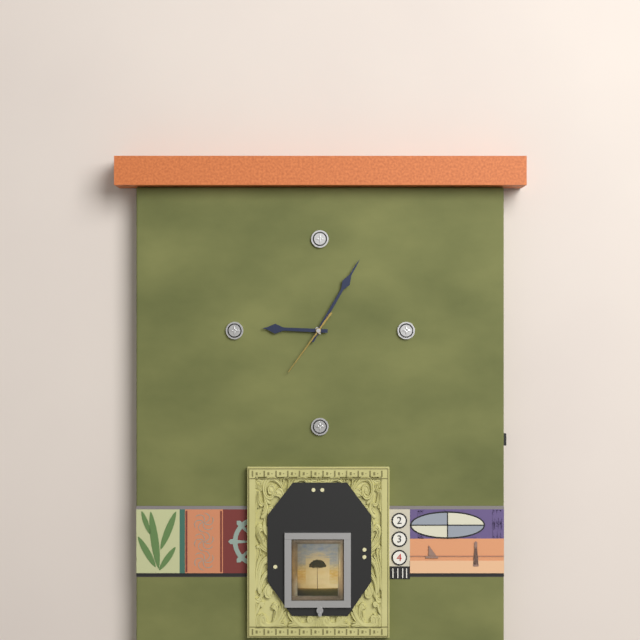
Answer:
{"hour": 9, "minute": 5, "second": 36}
